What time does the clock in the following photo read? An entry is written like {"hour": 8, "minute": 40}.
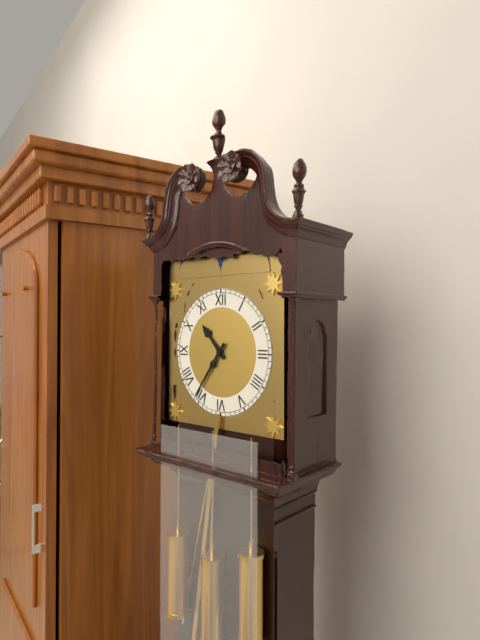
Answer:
{"hour": 10, "minute": 36}
